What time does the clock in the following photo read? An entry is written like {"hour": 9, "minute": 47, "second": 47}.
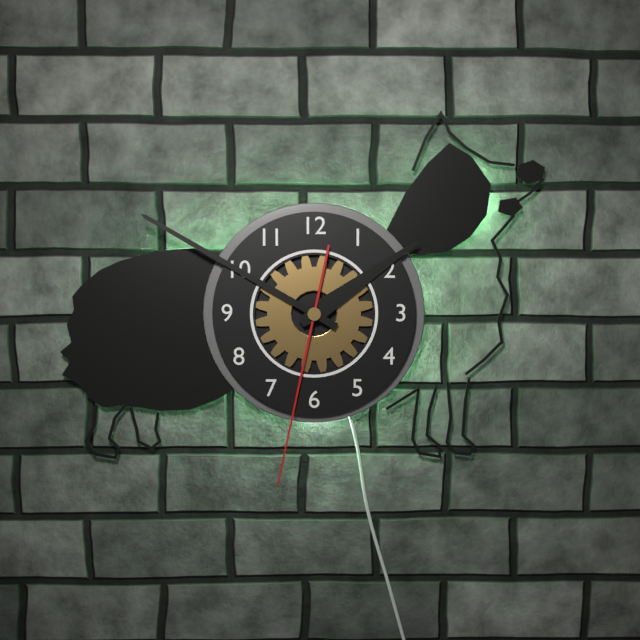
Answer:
{"hour": 1, "minute": 50, "second": 32}
